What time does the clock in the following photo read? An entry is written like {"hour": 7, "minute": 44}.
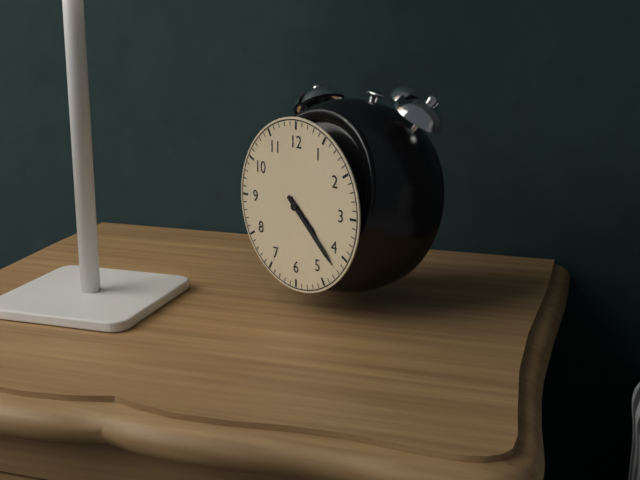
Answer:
{"hour": 4, "minute": 22}
